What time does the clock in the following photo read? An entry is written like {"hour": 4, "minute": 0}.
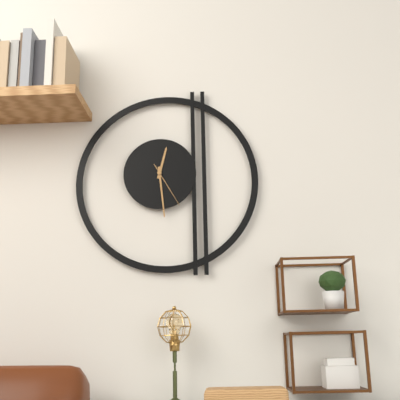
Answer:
{"hour": 12, "minute": 29}
